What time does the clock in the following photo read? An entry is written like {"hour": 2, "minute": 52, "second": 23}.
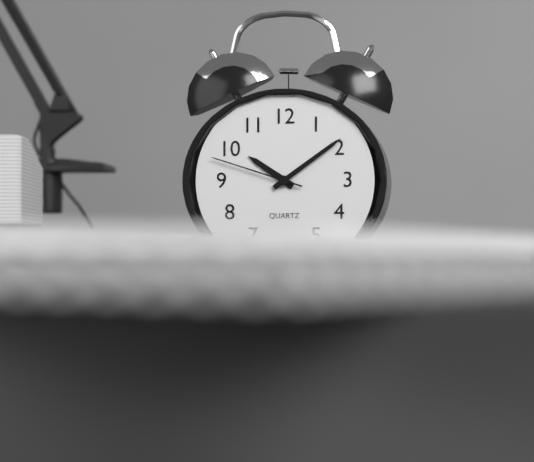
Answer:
{"hour": 10, "minute": 9, "second": 48}
